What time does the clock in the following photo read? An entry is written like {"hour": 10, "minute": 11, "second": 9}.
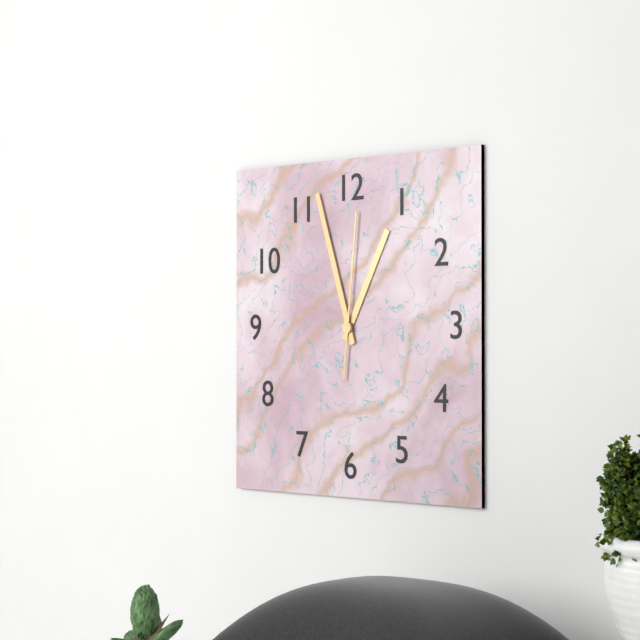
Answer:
{"hour": 12, "minute": 57, "second": 1}
